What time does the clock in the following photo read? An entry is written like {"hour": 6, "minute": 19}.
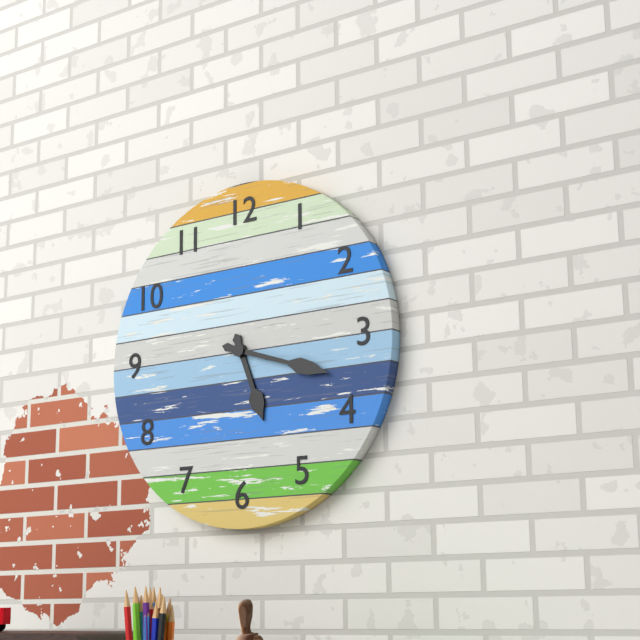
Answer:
{"hour": 5, "minute": 18}
